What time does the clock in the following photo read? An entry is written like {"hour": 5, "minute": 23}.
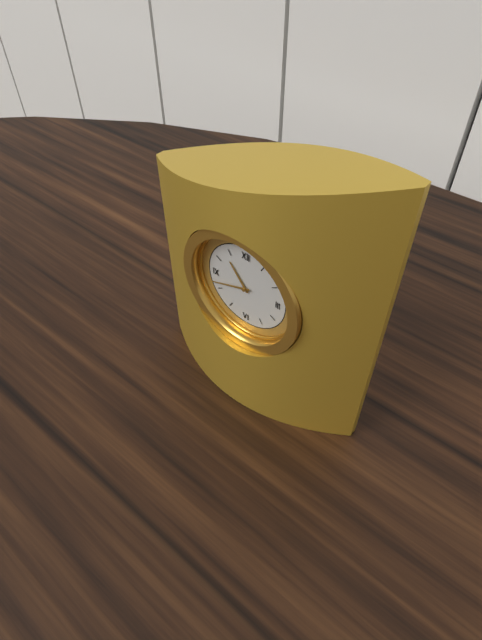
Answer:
{"hour": 10, "minute": 42}
